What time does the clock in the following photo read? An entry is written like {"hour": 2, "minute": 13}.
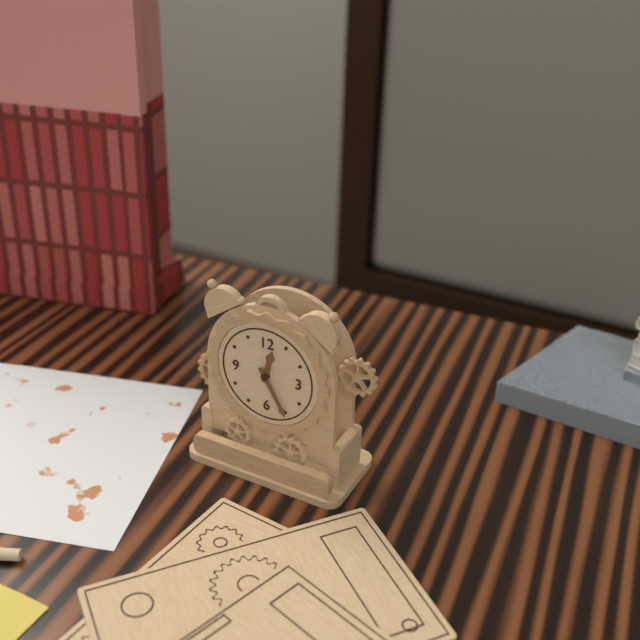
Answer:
{"hour": 12, "minute": 25}
